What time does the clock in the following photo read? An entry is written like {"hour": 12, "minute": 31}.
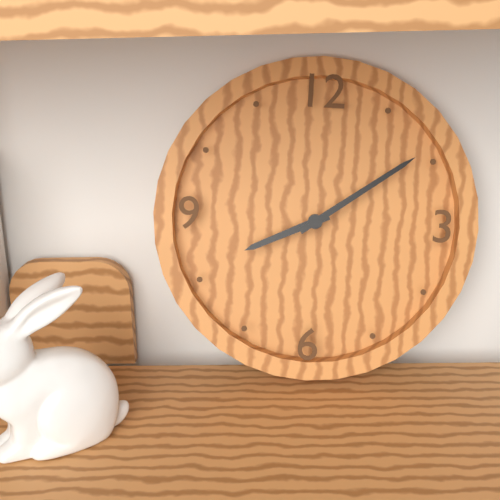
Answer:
{"hour": 8, "minute": 9}
